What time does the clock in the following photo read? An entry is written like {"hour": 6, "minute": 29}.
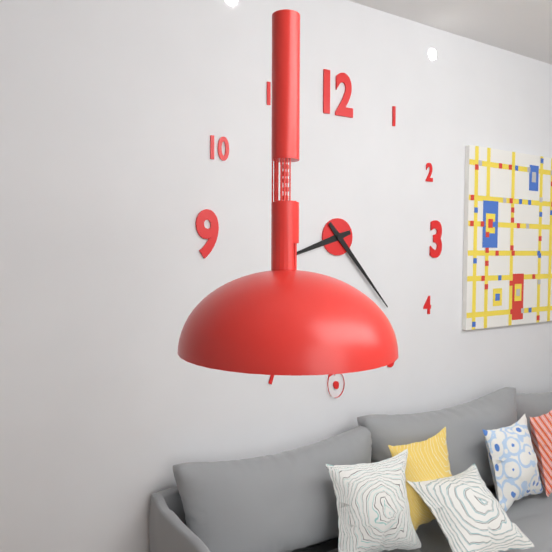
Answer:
{"hour": 8, "minute": 23}
